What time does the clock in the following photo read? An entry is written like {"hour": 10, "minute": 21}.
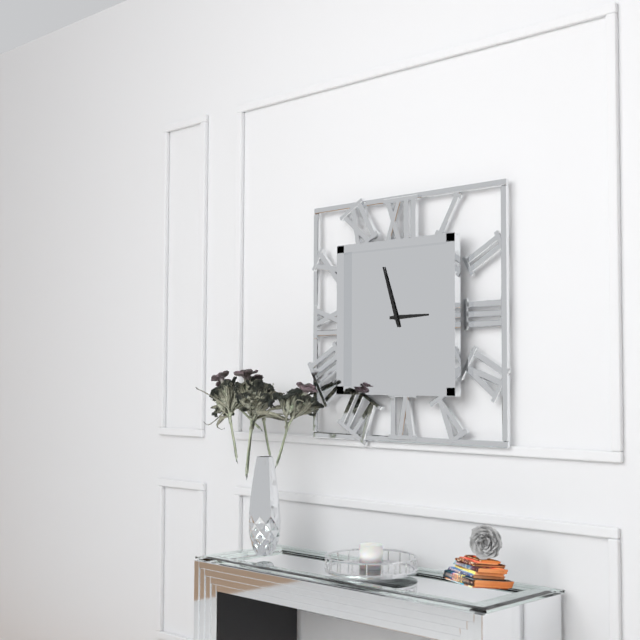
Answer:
{"hour": 2, "minute": 57}
